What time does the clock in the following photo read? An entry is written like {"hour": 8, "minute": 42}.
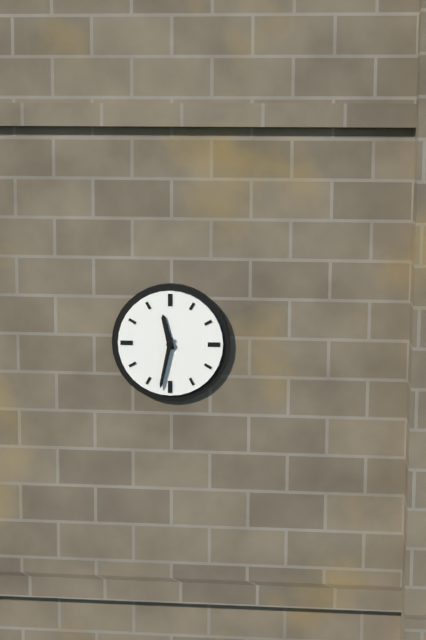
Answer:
{"hour": 11, "minute": 32}
